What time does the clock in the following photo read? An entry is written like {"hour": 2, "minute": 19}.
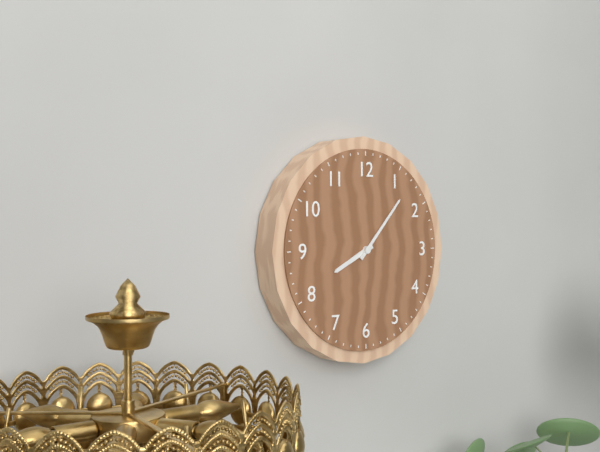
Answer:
{"hour": 8, "minute": 7}
